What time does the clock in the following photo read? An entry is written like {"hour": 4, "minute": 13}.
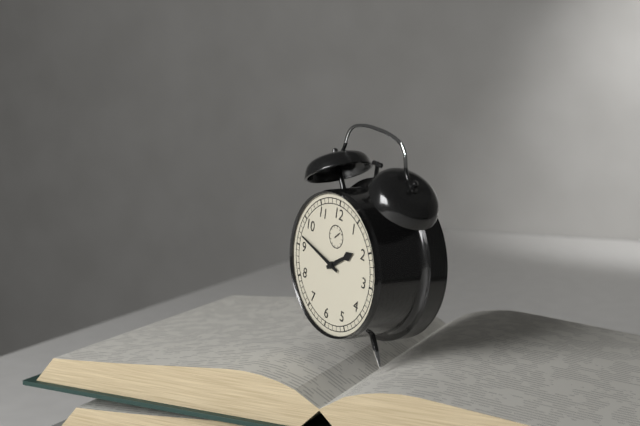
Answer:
{"hour": 1, "minute": 47}
